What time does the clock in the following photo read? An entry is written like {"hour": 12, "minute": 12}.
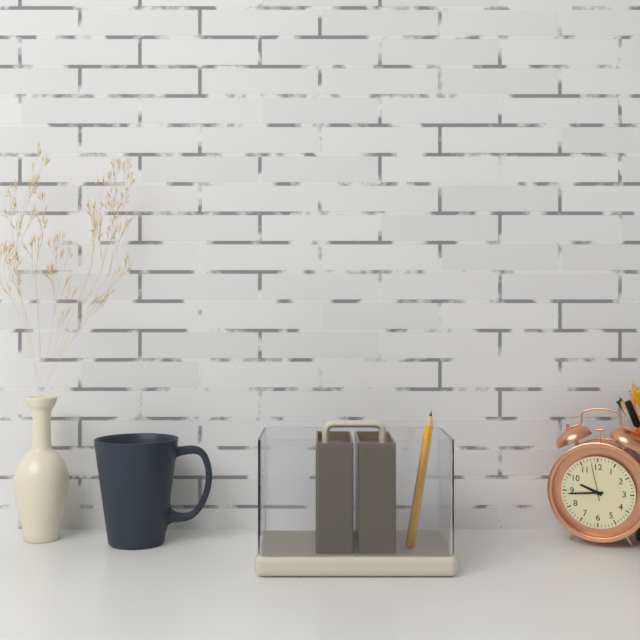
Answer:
{"hour": 9, "minute": 44}
